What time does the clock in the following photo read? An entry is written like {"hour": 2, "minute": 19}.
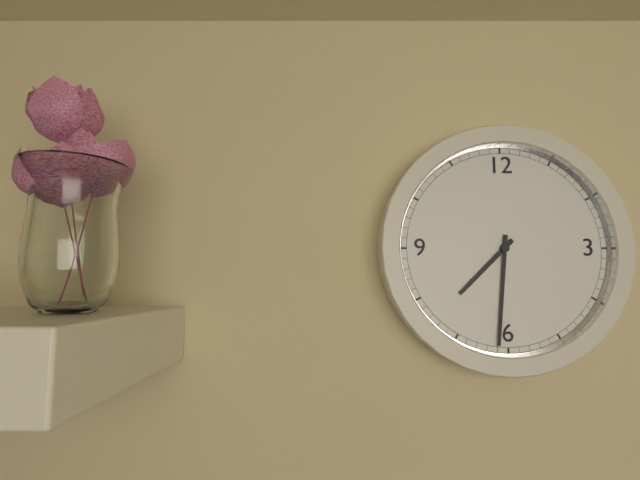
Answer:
{"hour": 7, "minute": 31}
